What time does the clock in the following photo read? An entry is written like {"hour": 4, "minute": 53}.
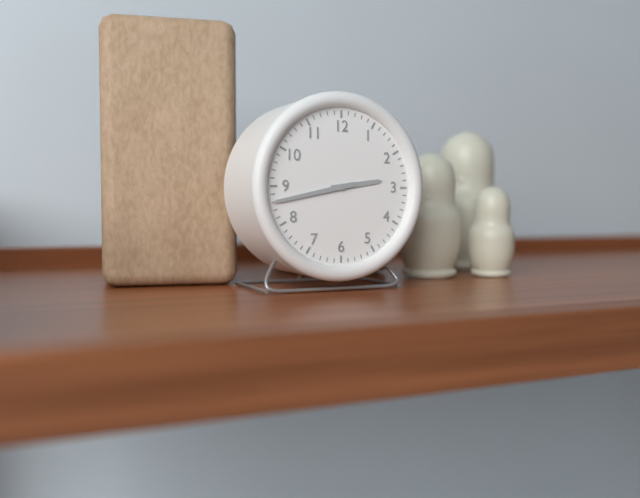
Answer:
{"hour": 2, "minute": 43}
